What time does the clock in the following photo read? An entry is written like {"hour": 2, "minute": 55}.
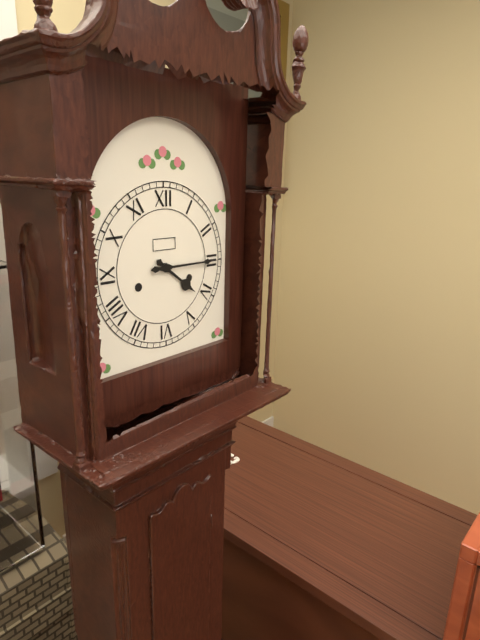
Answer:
{"hour": 4, "minute": 15}
